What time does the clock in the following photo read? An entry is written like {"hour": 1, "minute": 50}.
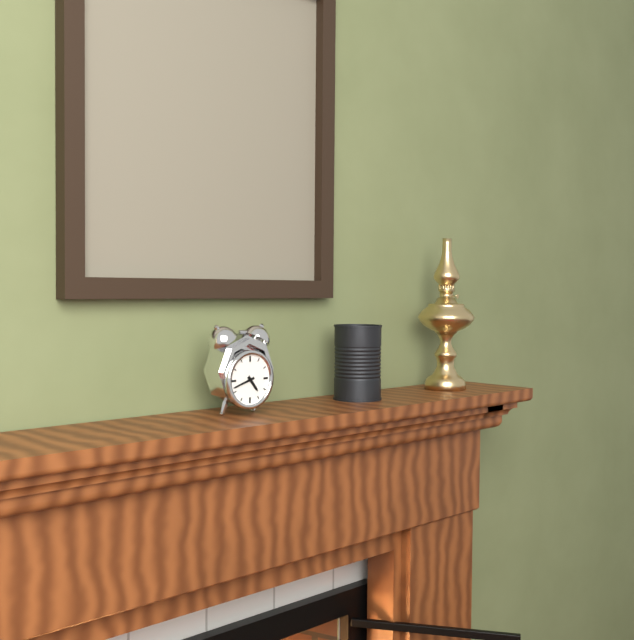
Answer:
{"hour": 4, "minute": 42}
